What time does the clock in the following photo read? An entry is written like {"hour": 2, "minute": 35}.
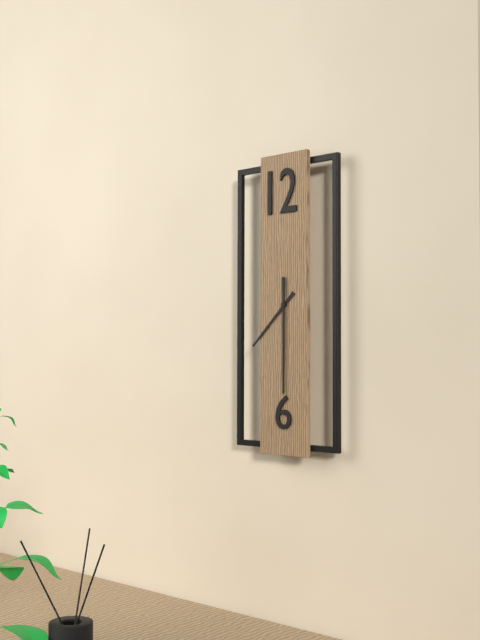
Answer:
{"hour": 7, "minute": 30}
